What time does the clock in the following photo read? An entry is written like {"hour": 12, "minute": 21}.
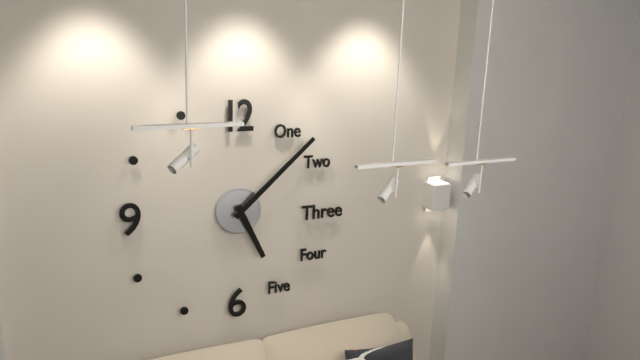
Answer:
{"hour": 5, "minute": 8}
